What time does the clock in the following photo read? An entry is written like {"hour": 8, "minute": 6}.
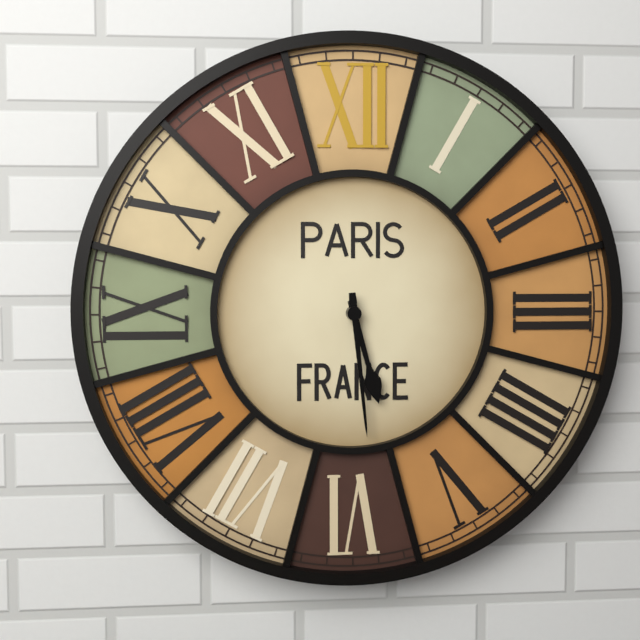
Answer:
{"hour": 5, "minute": 29}
